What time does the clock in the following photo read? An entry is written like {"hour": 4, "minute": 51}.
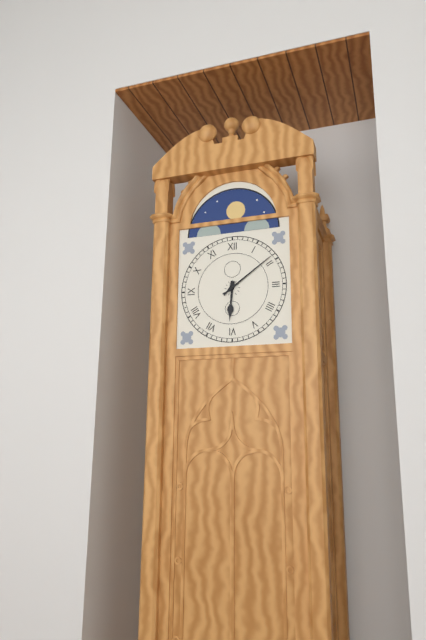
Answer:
{"hour": 6, "minute": 9}
